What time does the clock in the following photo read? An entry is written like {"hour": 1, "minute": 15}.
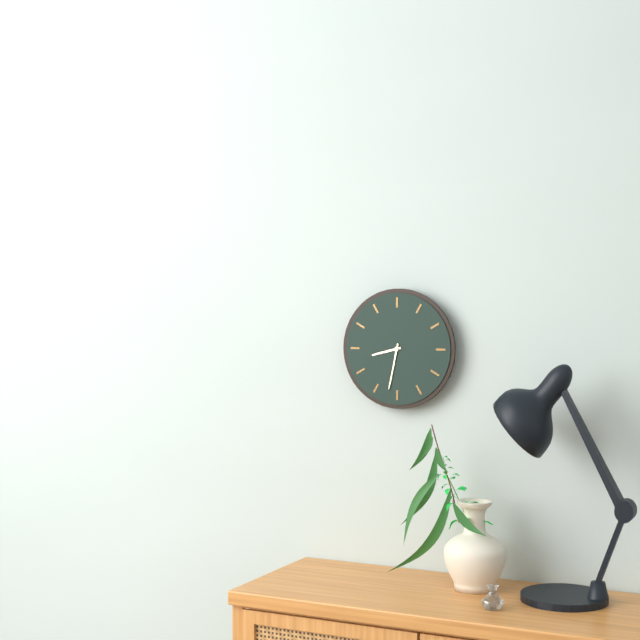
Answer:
{"hour": 8, "minute": 32}
